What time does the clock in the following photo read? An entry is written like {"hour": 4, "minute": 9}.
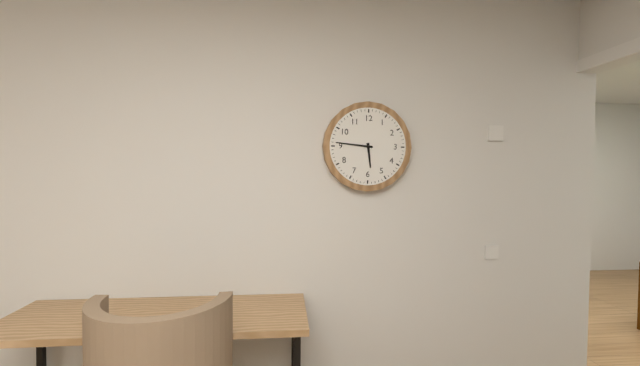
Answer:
{"hour": 5, "minute": 46}
